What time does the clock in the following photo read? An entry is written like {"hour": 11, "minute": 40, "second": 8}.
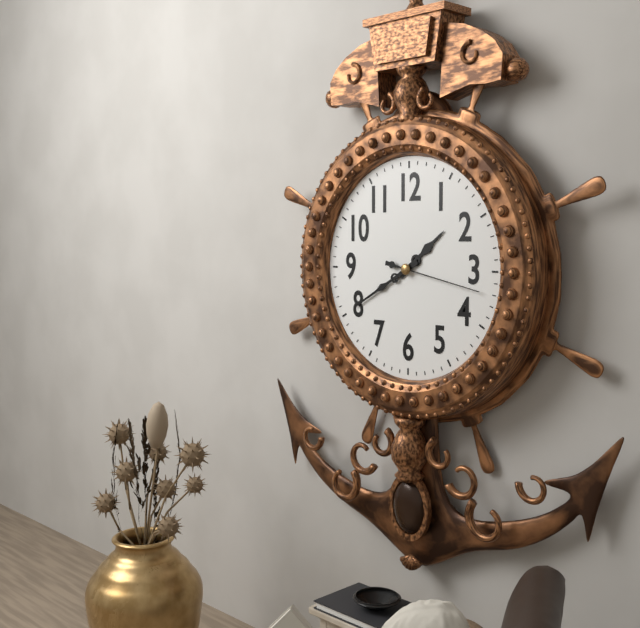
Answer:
{"hour": 1, "minute": 40, "second": 17}
